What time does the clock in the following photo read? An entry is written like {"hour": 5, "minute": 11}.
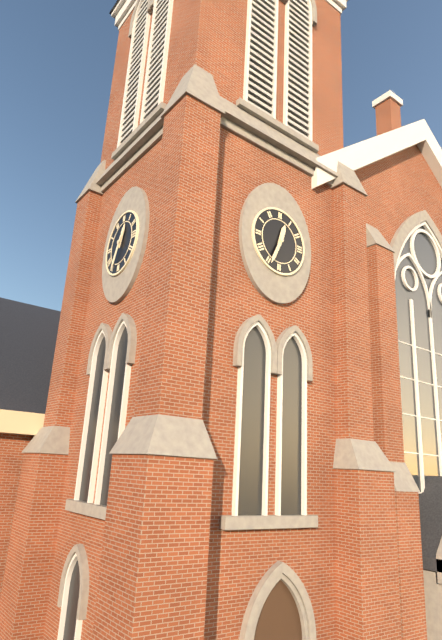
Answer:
{"hour": 12, "minute": 34}
